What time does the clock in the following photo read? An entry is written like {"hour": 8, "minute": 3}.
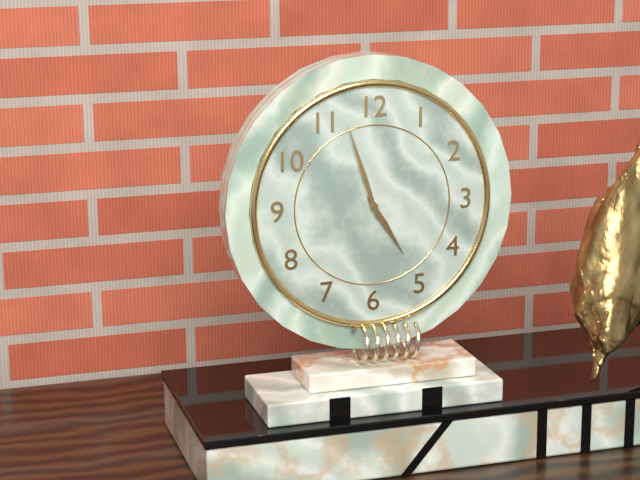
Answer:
{"hour": 4, "minute": 57}
